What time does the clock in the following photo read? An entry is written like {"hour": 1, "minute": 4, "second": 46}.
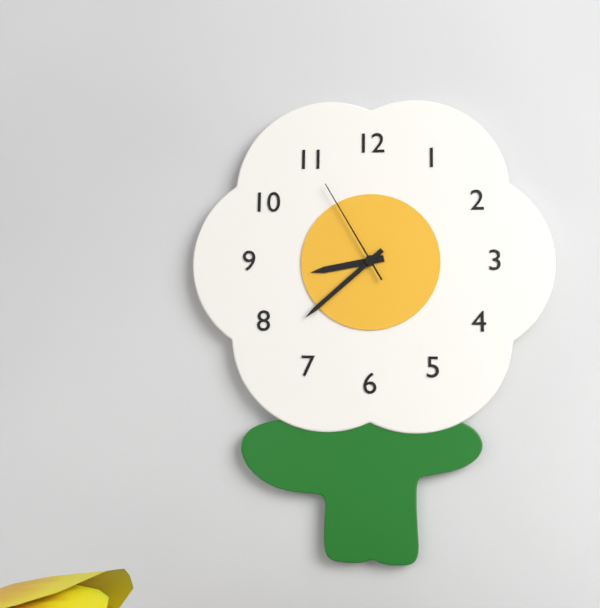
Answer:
{"hour": 8, "minute": 38, "second": 55}
